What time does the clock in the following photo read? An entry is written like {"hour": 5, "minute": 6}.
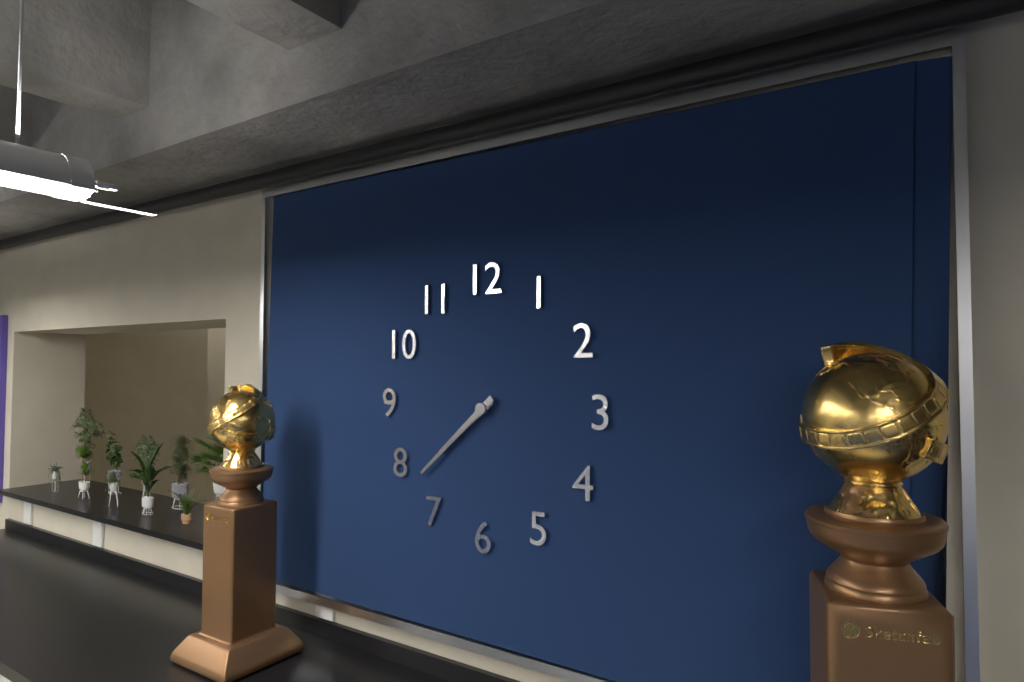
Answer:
{"hour": 7, "minute": 38}
